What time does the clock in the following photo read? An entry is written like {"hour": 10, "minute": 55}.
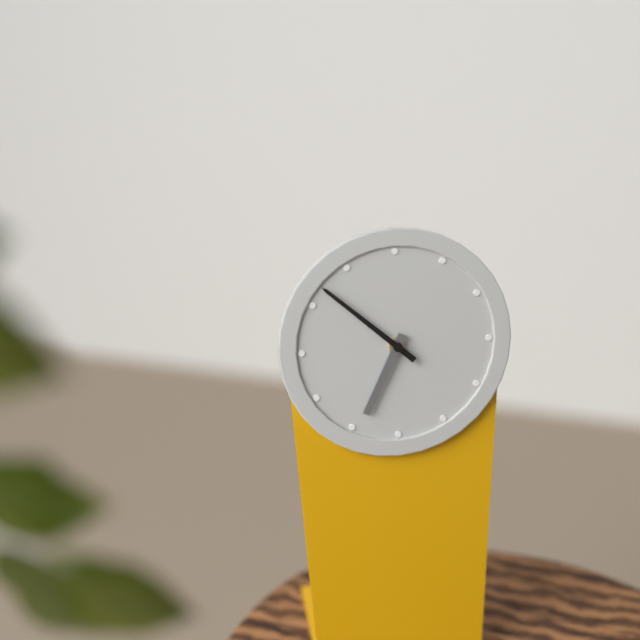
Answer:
{"hour": 6, "minute": 52}
